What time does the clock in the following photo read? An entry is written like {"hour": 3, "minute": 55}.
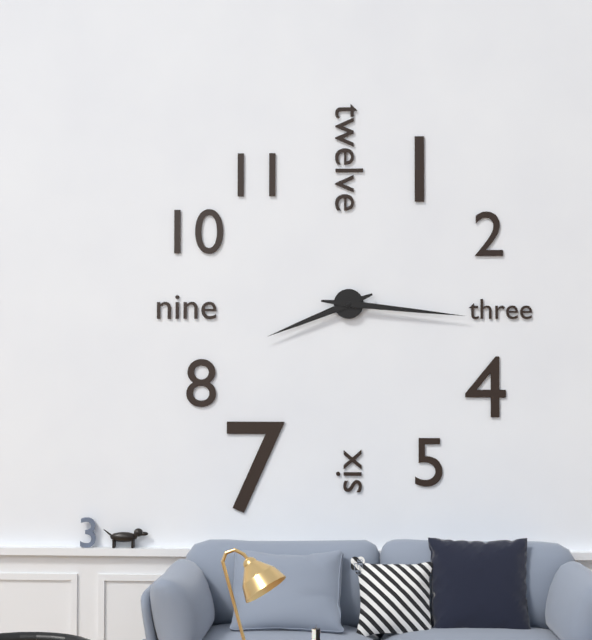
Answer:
{"hour": 8, "minute": 16}
